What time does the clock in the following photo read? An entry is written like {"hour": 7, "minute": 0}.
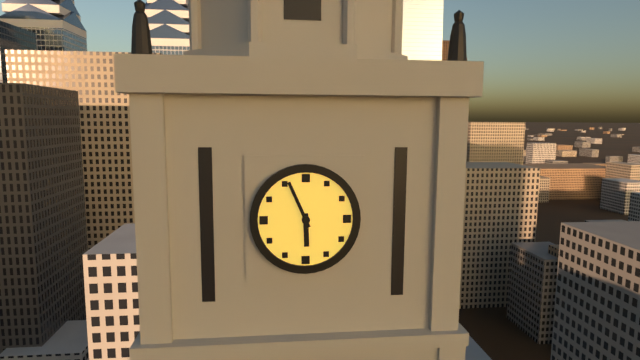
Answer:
{"hour": 5, "minute": 56}
